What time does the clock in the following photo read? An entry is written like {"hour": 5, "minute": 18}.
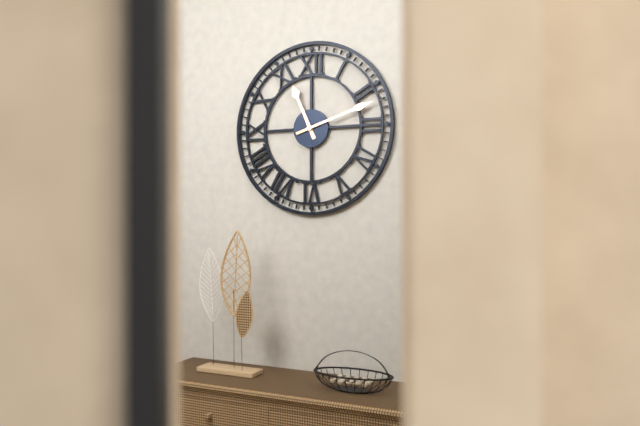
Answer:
{"hour": 11, "minute": 12}
